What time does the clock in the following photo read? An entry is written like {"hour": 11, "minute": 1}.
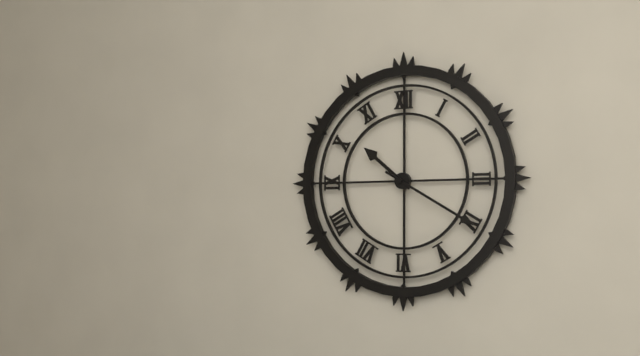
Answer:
{"hour": 10, "minute": 20}
